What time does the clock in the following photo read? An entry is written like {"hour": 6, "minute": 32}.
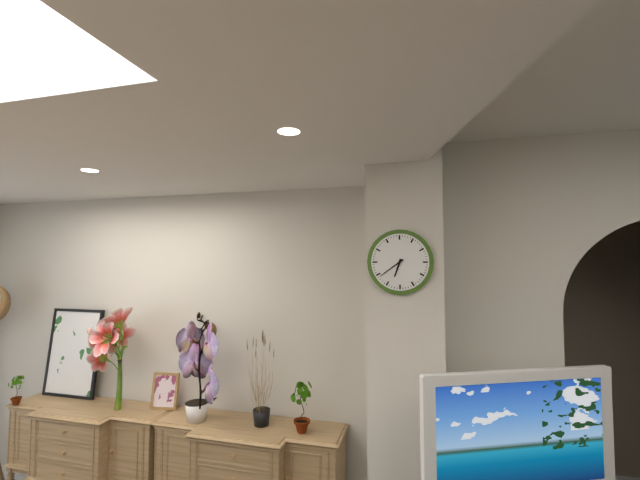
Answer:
{"hour": 6, "minute": 39}
